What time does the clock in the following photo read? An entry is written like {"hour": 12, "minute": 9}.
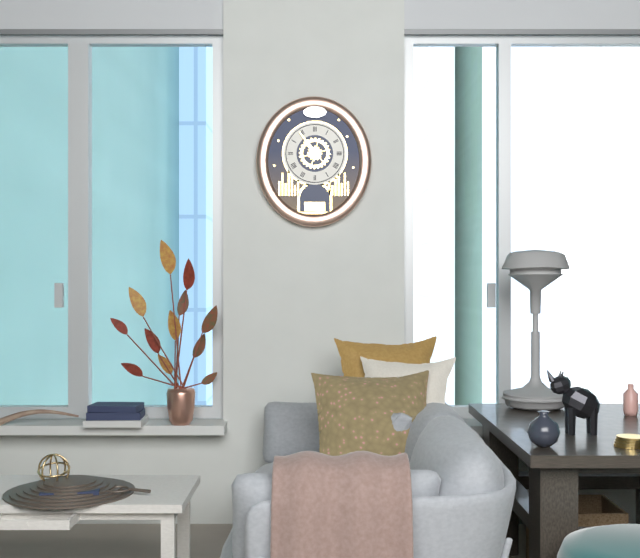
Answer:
{"hour": 10, "minute": 54}
